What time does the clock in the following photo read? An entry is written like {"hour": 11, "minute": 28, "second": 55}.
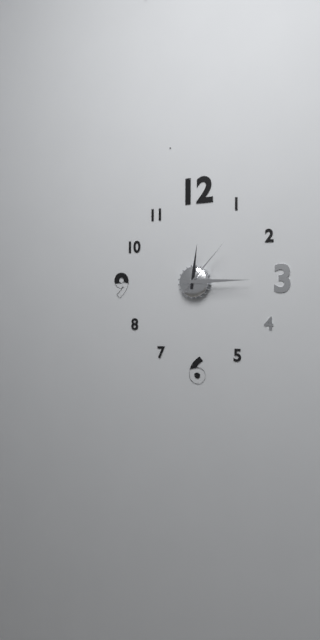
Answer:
{"hour": 12, "minute": 15, "second": 7}
